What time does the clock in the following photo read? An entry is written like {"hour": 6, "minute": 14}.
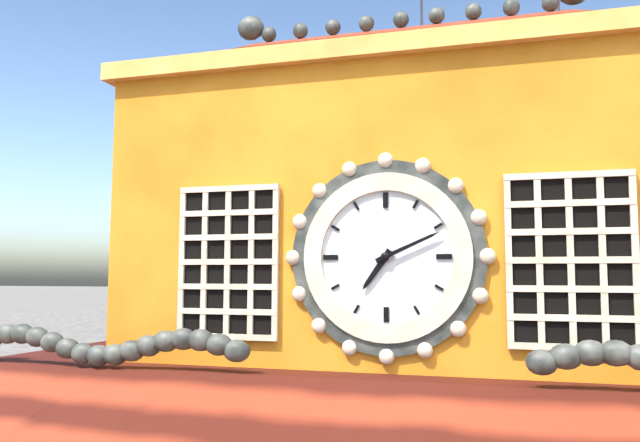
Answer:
{"hour": 7, "minute": 11}
